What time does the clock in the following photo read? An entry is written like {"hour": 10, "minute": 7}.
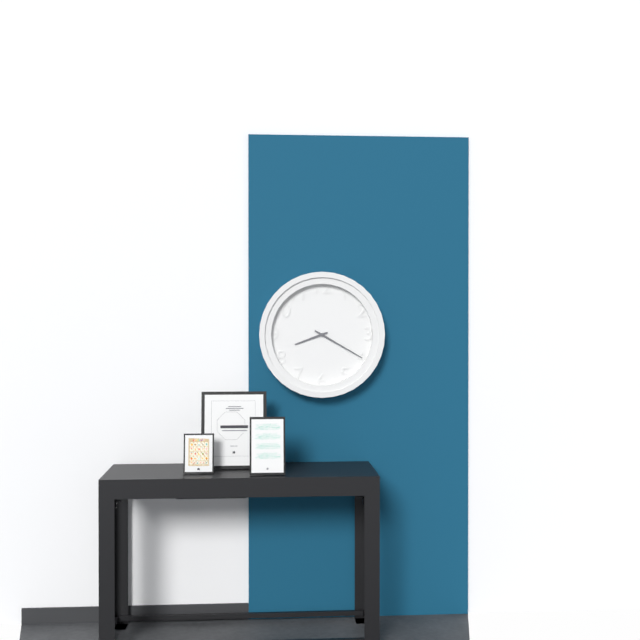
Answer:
{"hour": 8, "minute": 20}
